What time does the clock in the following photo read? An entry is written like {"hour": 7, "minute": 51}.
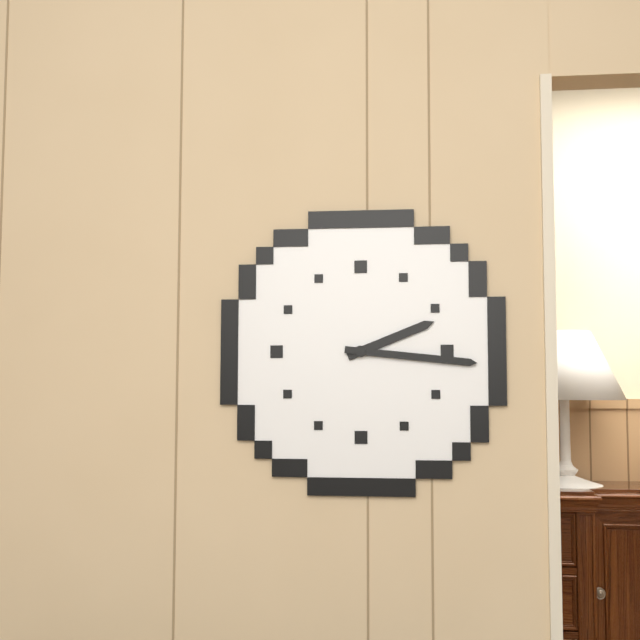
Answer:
{"hour": 2, "minute": 16}
